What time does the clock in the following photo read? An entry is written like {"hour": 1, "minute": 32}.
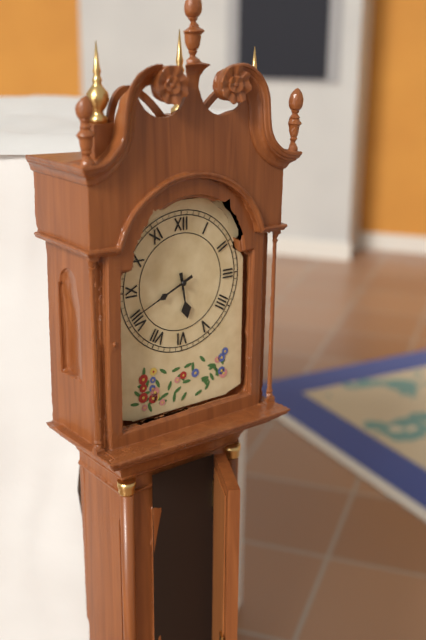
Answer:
{"hour": 5, "minute": 41}
